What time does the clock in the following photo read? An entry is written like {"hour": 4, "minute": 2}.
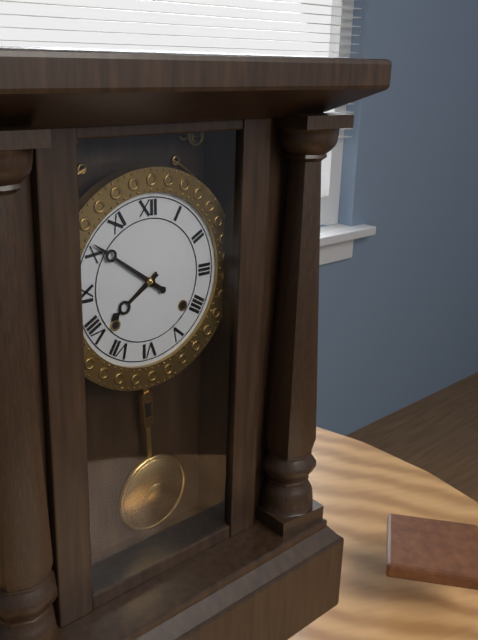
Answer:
{"hour": 7, "minute": 51}
